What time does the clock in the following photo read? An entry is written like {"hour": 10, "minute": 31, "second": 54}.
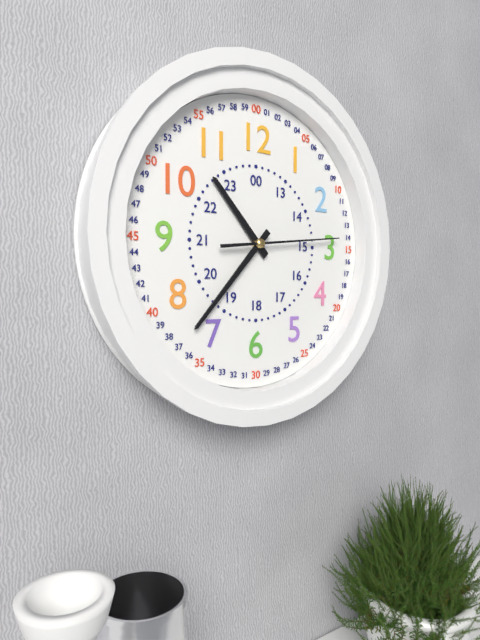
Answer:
{"hour": 10, "minute": 37, "second": 14}
